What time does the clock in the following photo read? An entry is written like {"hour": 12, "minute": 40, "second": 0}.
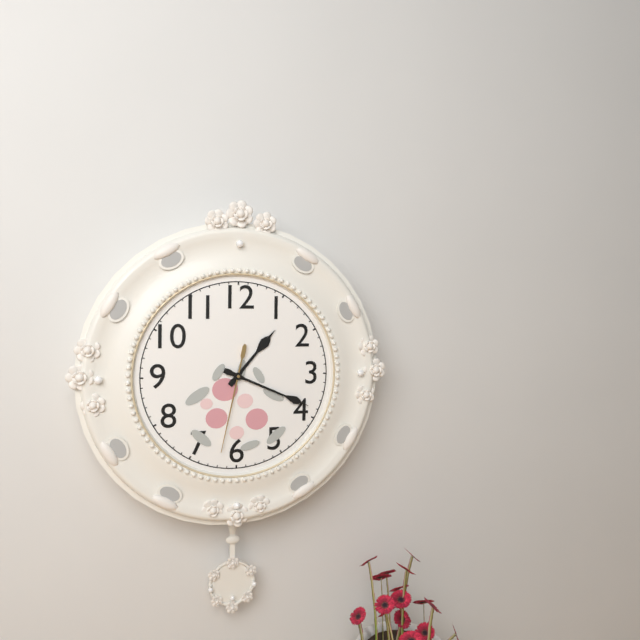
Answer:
{"hour": 1, "minute": 19, "second": 32}
